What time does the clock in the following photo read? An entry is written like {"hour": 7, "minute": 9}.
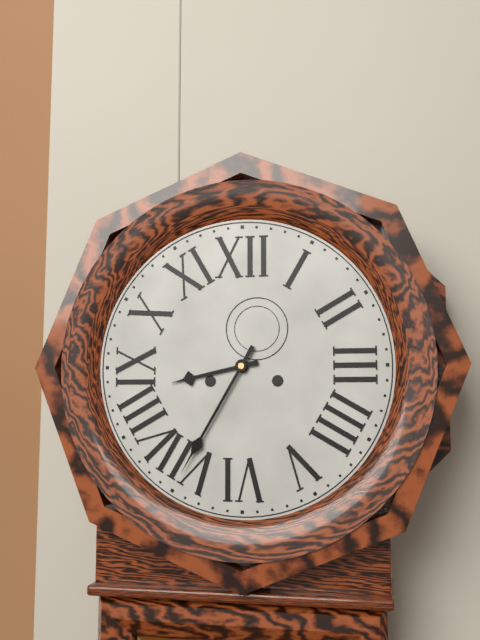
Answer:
{"hour": 8, "minute": 35}
